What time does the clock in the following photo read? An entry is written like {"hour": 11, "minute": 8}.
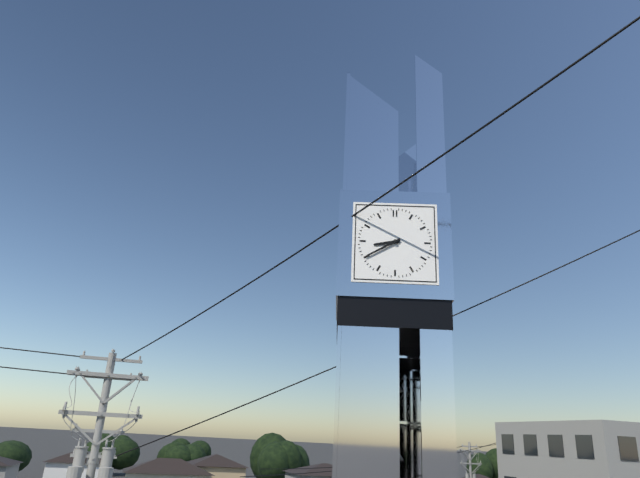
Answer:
{"hour": 8, "minute": 40}
